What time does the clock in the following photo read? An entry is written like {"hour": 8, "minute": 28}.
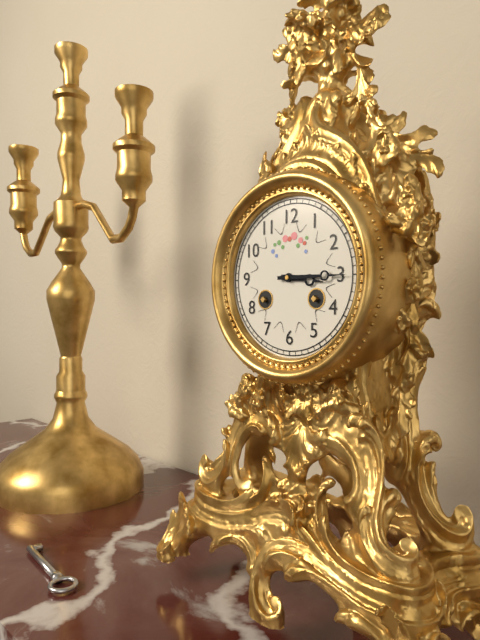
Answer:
{"hour": 3, "minute": 15}
